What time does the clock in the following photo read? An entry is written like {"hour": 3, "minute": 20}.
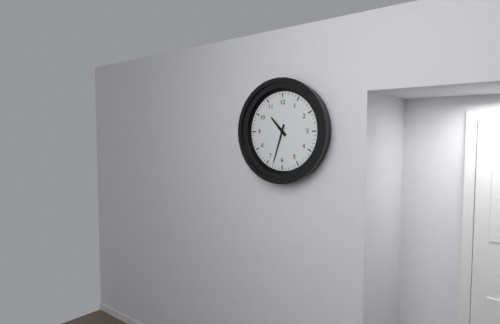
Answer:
{"hour": 10, "minute": 33}
